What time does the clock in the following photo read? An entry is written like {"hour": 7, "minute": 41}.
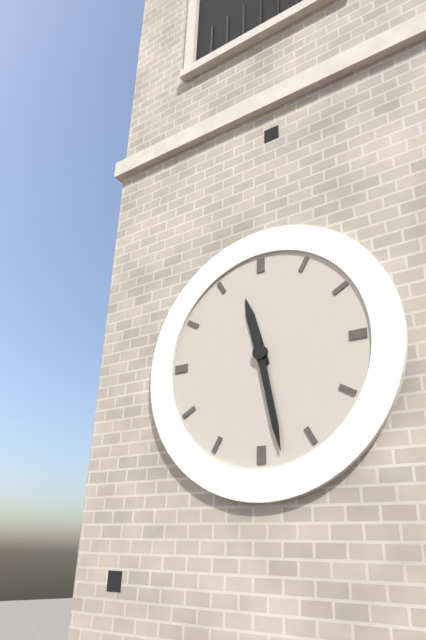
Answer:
{"hour": 11, "minute": 28}
